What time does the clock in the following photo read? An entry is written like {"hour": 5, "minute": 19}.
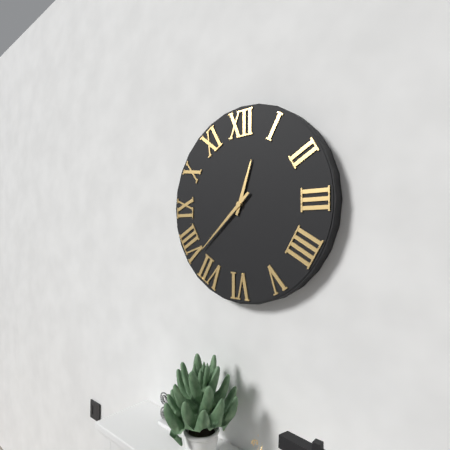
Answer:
{"hour": 12, "minute": 38}
